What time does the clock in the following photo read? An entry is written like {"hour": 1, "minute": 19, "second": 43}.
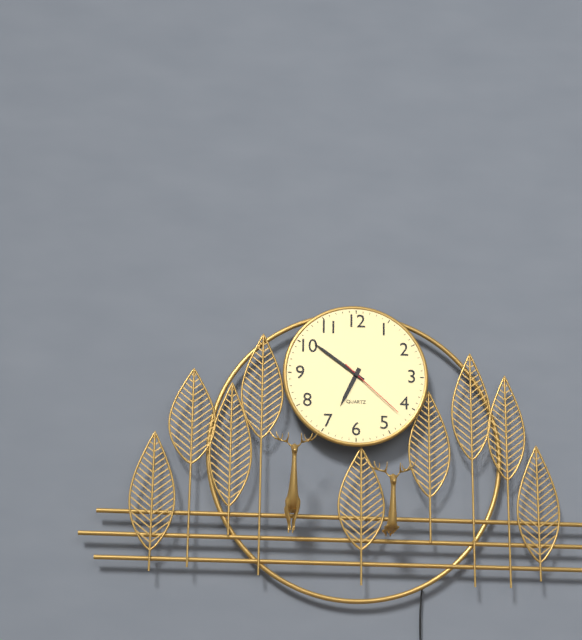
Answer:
{"hour": 6, "minute": 51, "second": 22}
